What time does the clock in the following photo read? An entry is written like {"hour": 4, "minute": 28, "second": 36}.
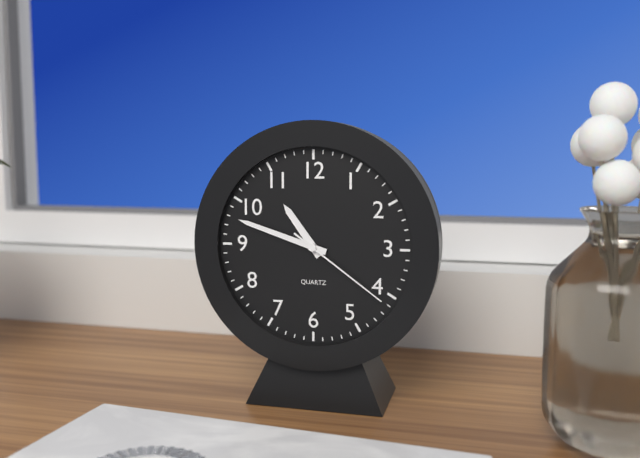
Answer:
{"hour": 10, "minute": 48, "second": 21}
